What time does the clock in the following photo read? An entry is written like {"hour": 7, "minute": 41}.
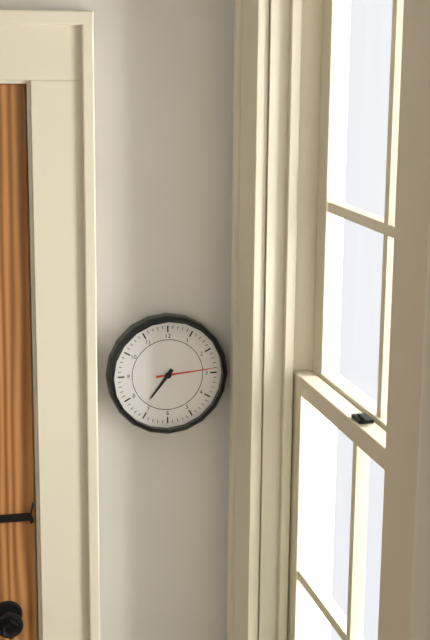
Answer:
{"hour": 7, "minute": 14}
